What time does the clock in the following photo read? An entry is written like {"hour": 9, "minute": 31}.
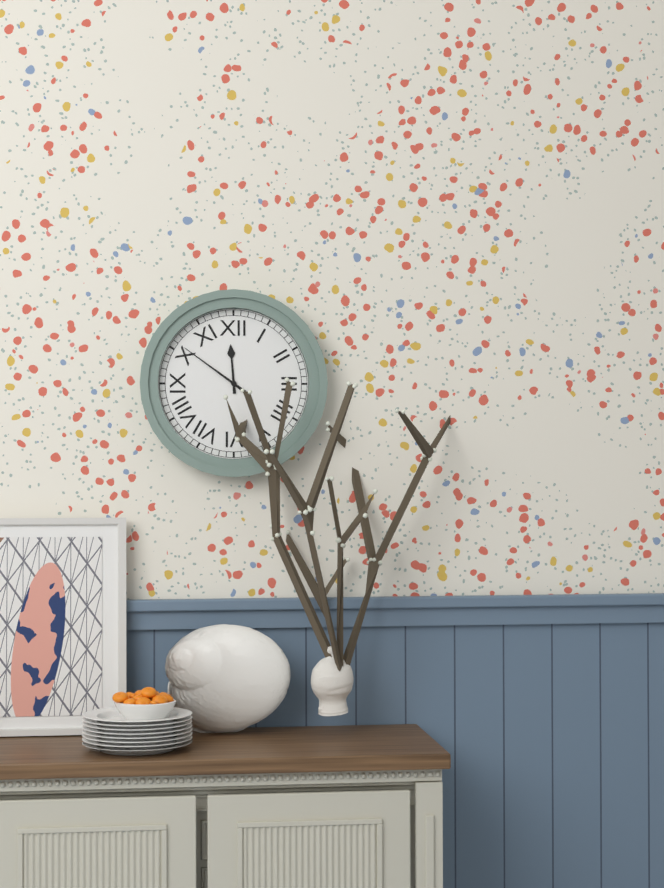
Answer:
{"hour": 11, "minute": 51}
